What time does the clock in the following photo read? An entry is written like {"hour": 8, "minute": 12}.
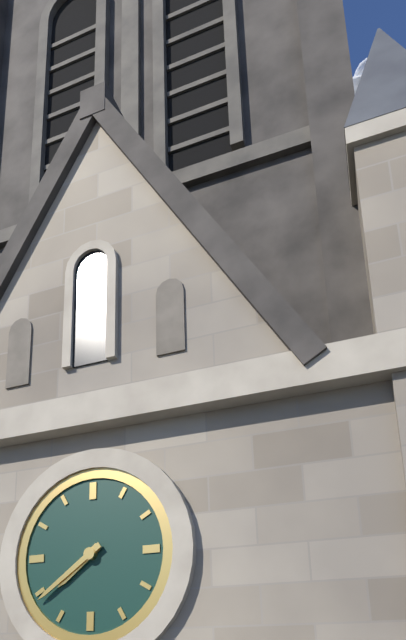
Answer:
{"hour": 7, "minute": 39}
